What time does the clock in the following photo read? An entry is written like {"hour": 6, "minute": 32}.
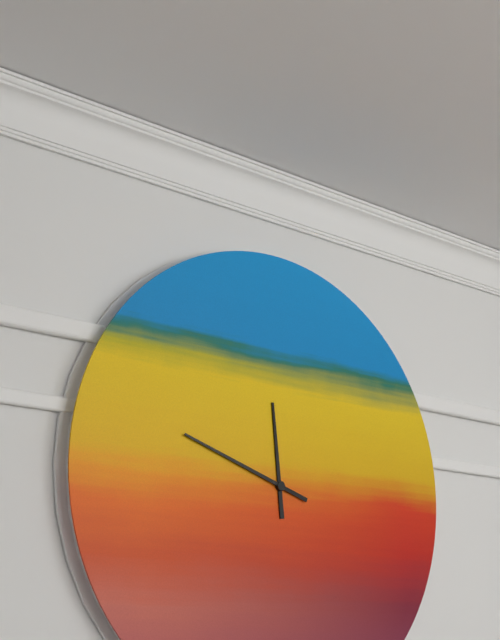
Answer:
{"hour": 11, "minute": 48}
